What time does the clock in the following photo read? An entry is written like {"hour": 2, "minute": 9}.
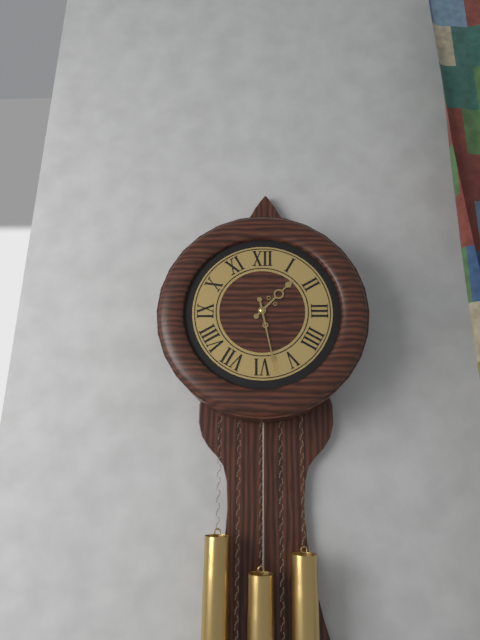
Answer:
{"hour": 1, "minute": 28}
